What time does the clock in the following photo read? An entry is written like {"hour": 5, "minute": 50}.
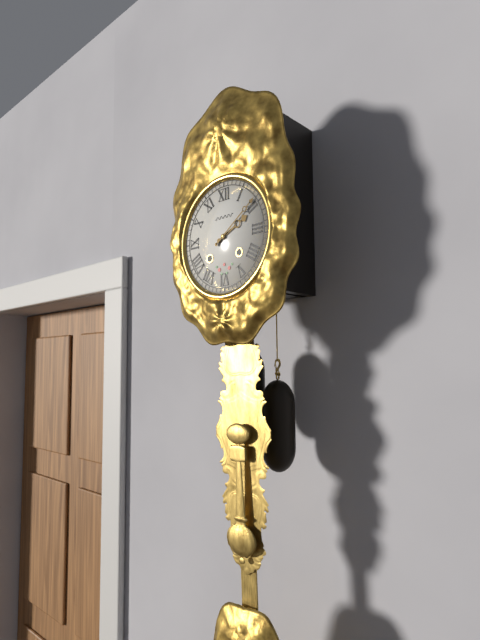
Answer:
{"hour": 2, "minute": 9}
